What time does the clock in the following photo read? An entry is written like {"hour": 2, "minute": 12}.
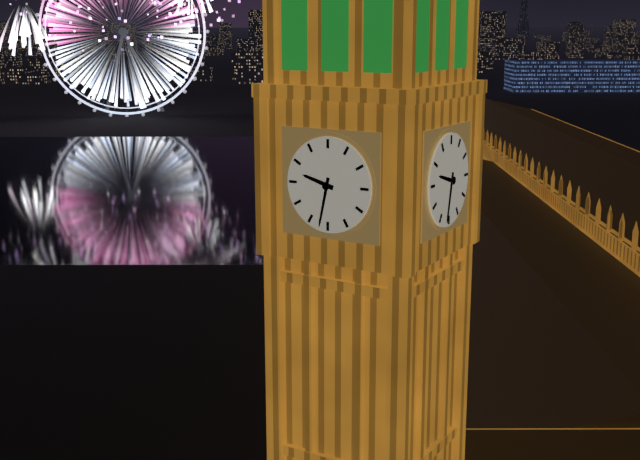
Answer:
{"hour": 9, "minute": 32}
